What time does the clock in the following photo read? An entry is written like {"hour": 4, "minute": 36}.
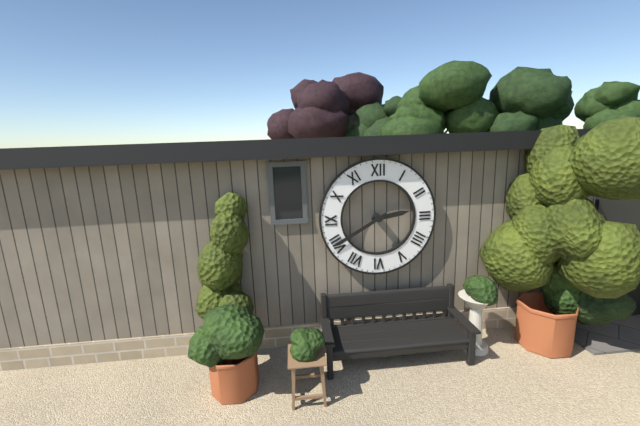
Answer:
{"hour": 2, "minute": 40}
